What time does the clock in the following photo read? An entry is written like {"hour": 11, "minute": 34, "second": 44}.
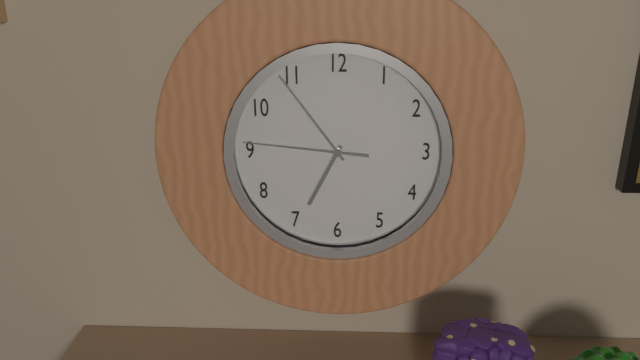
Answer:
{"hour": 6, "minute": 54, "second": 46}
